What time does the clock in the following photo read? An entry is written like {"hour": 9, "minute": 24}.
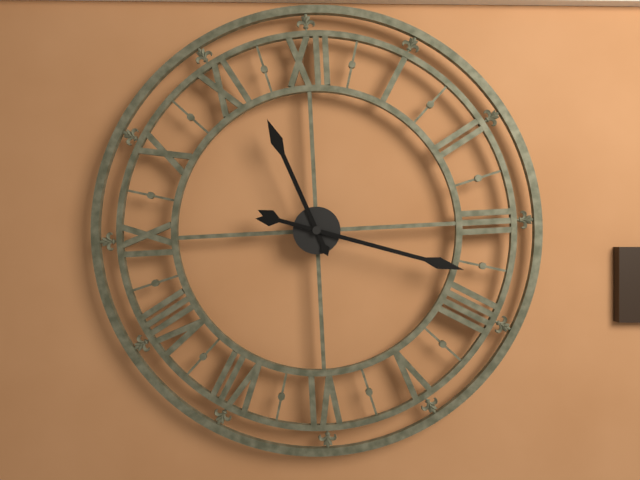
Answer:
{"hour": 11, "minute": 18}
